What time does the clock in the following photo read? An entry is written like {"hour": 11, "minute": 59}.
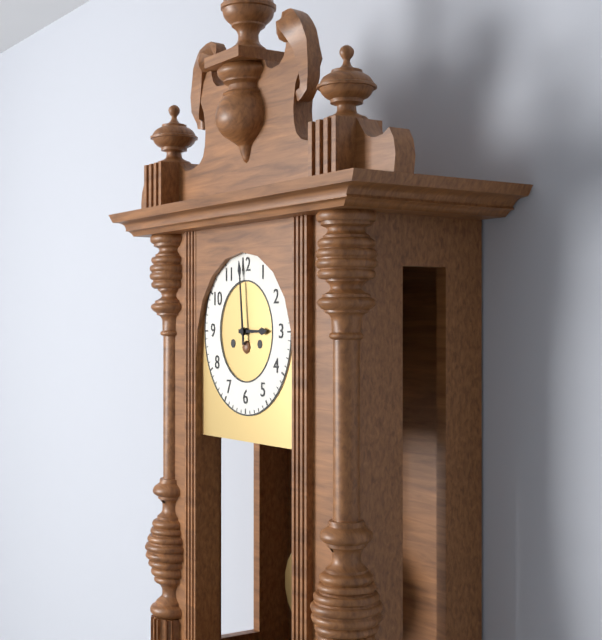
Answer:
{"hour": 2, "minute": 59}
